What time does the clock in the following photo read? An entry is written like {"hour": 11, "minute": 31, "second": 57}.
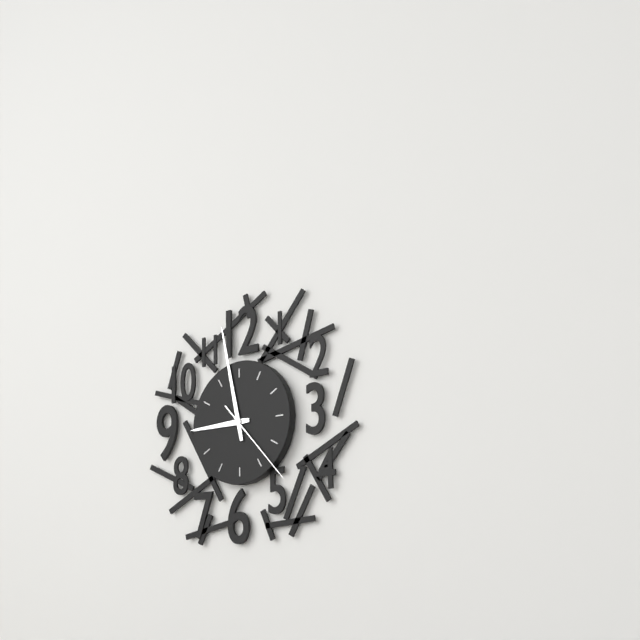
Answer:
{"hour": 8, "minute": 58, "second": 23}
